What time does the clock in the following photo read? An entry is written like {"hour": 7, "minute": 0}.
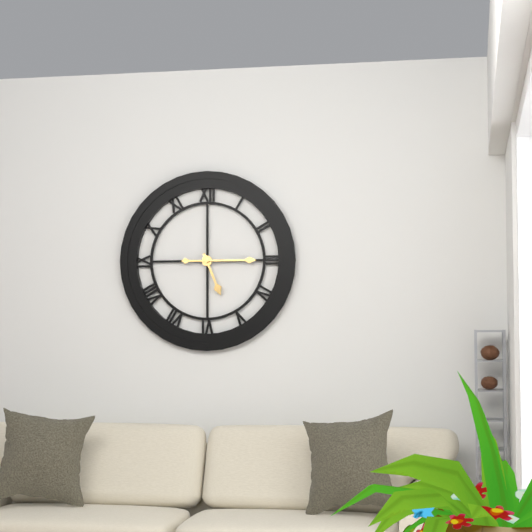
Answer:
{"hour": 5, "minute": 15}
